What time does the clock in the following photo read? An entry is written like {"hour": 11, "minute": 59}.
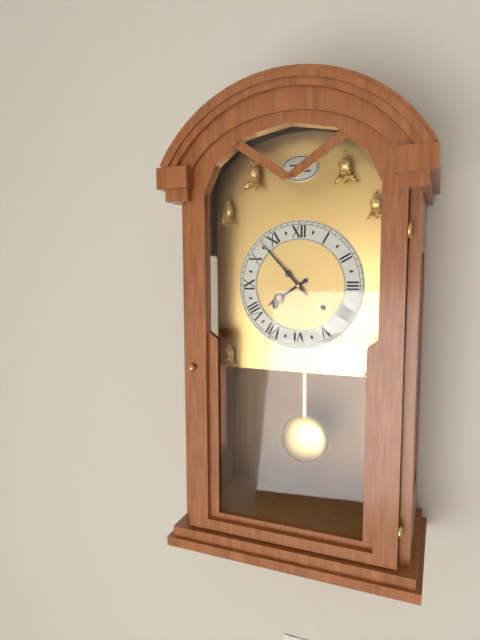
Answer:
{"hour": 7, "minute": 53}
